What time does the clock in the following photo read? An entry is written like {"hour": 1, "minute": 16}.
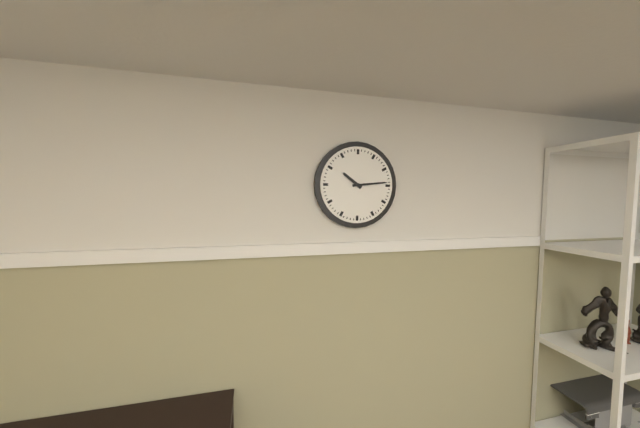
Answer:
{"hour": 10, "minute": 14}
